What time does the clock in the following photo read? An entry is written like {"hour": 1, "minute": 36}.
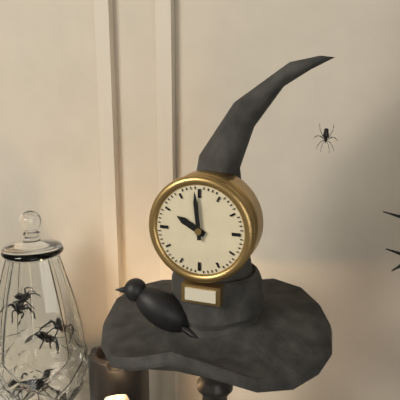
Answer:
{"hour": 9, "minute": 59}
